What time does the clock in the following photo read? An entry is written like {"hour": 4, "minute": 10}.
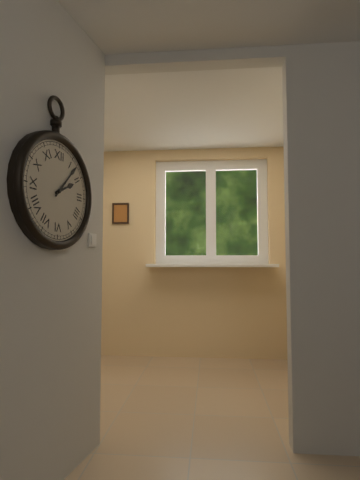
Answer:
{"hour": 2, "minute": 7}
